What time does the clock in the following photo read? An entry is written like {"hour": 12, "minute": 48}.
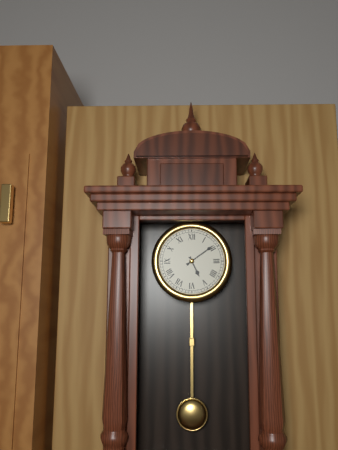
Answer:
{"hour": 5, "minute": 9}
